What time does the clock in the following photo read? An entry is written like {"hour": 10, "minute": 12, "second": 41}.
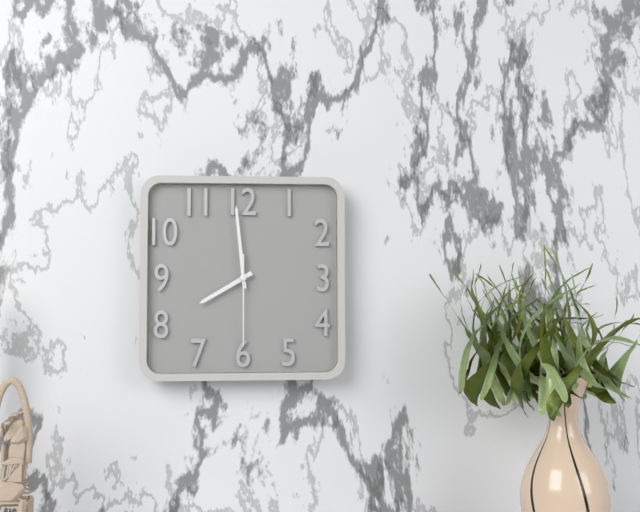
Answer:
{"hour": 7, "minute": 59, "second": 30}
